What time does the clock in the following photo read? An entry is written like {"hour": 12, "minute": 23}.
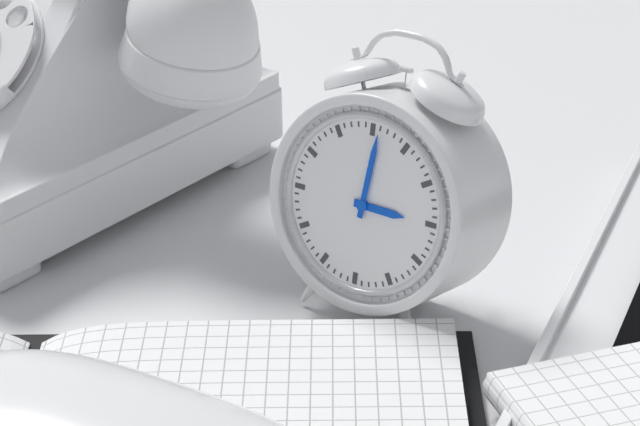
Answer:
{"hour": 3, "minute": 1}
